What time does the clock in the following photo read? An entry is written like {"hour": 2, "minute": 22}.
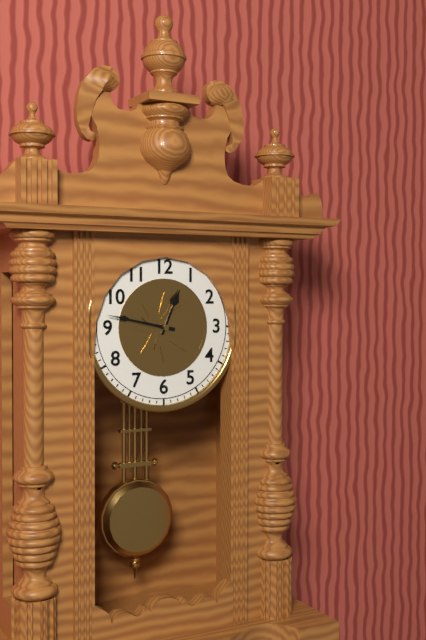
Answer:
{"hour": 12, "minute": 47}
